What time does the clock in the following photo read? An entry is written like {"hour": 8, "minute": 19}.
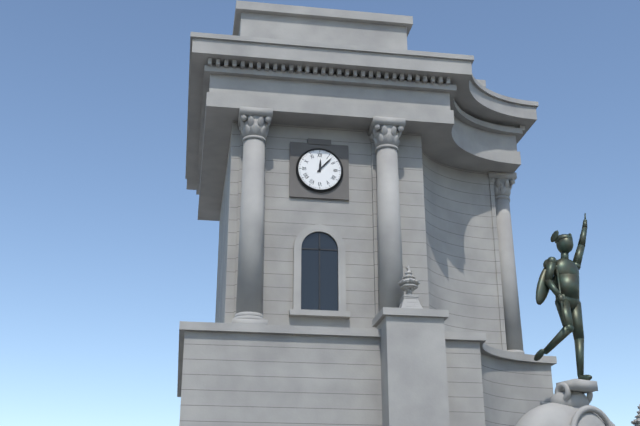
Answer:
{"hour": 12, "minute": 7}
